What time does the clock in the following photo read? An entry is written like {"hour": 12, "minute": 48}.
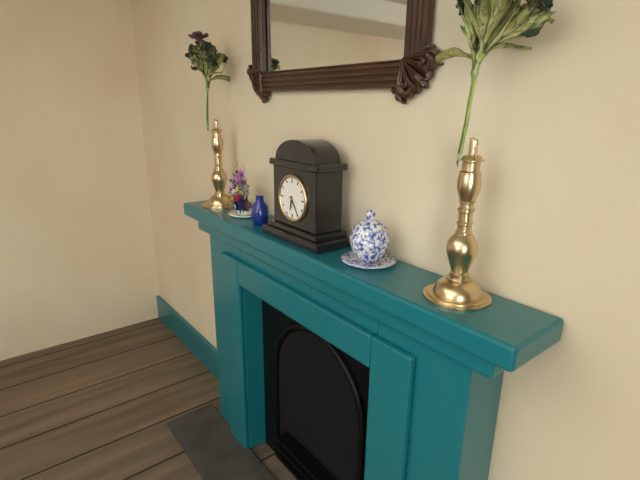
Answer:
{"hour": 6, "minute": 24}
